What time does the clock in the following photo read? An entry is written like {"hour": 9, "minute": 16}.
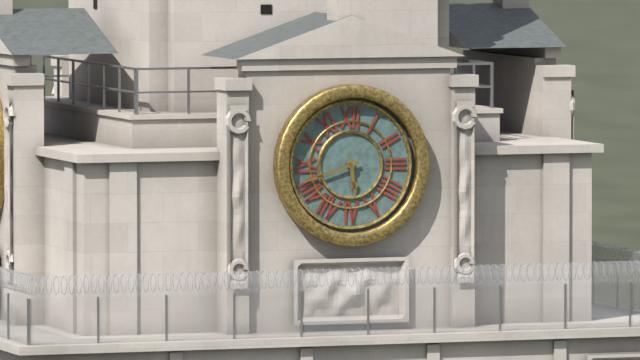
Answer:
{"hour": 5, "minute": 42}
